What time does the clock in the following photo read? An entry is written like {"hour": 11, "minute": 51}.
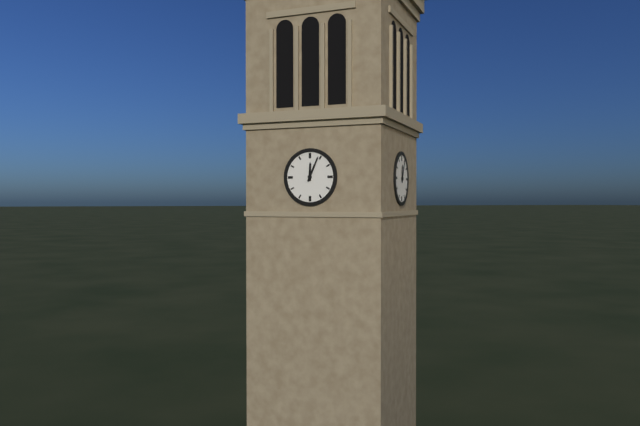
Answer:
{"hour": 12, "minute": 4}
